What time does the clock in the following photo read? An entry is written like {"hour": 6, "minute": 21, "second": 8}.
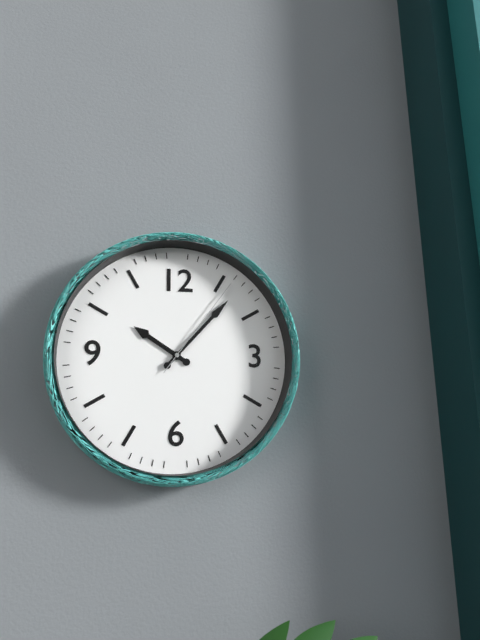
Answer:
{"hour": 10, "minute": 7, "second": 6}
